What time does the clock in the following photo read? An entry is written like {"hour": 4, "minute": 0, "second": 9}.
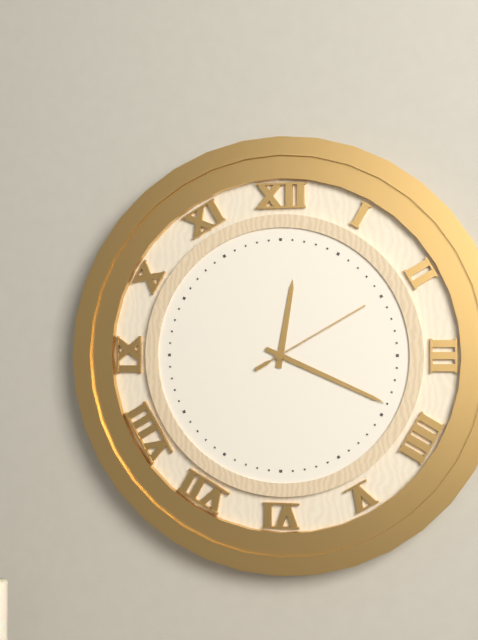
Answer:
{"hour": 12, "minute": 19, "second": 10}
